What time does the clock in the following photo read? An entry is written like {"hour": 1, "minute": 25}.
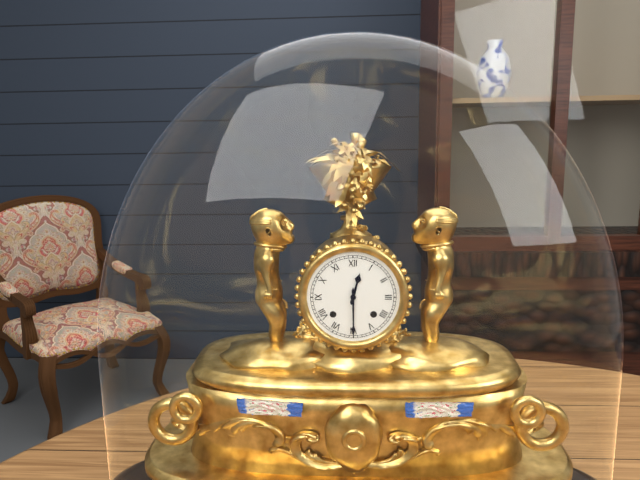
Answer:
{"hour": 12, "minute": 30}
